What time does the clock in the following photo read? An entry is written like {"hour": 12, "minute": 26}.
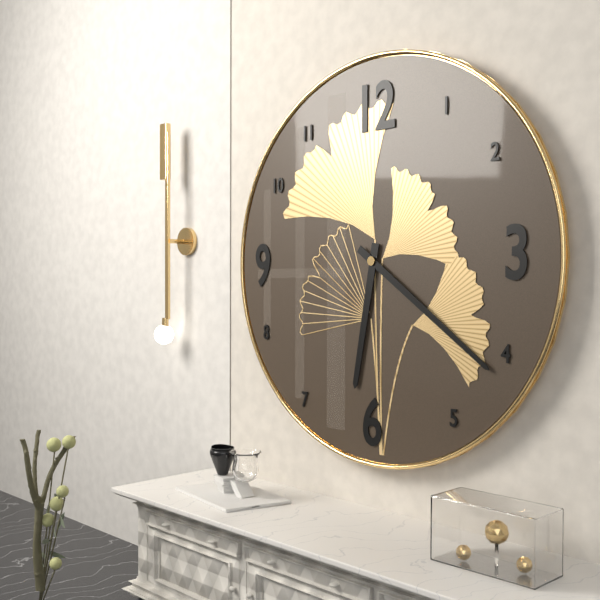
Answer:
{"hour": 6, "minute": 21}
